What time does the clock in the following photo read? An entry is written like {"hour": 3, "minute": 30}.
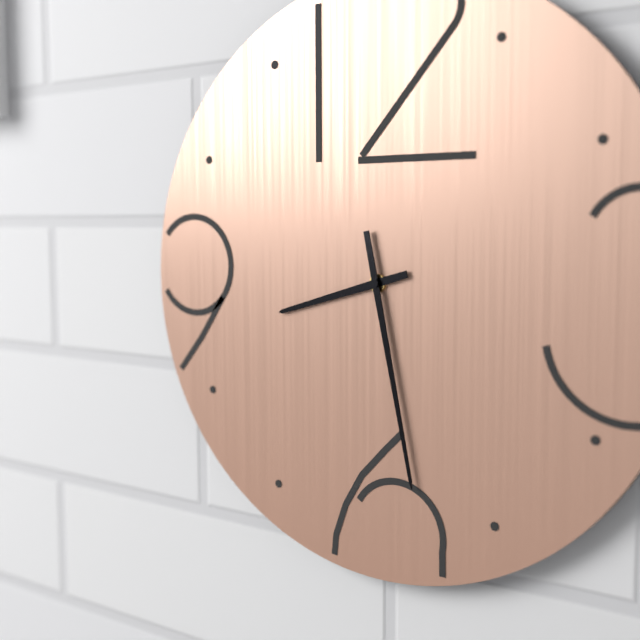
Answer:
{"hour": 8, "minute": 28}
